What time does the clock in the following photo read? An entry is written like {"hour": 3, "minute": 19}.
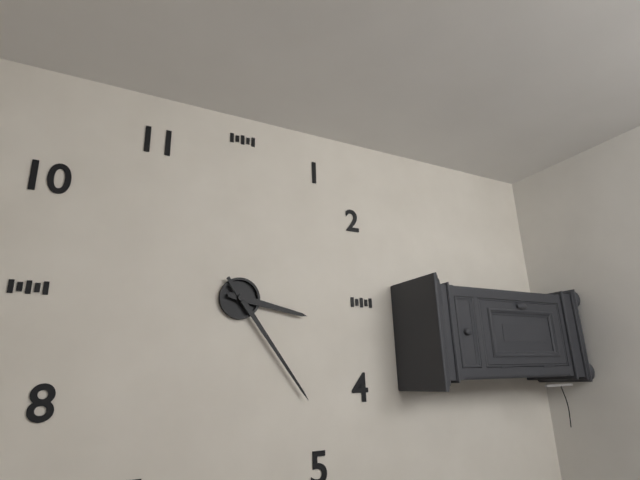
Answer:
{"hour": 3, "minute": 24}
